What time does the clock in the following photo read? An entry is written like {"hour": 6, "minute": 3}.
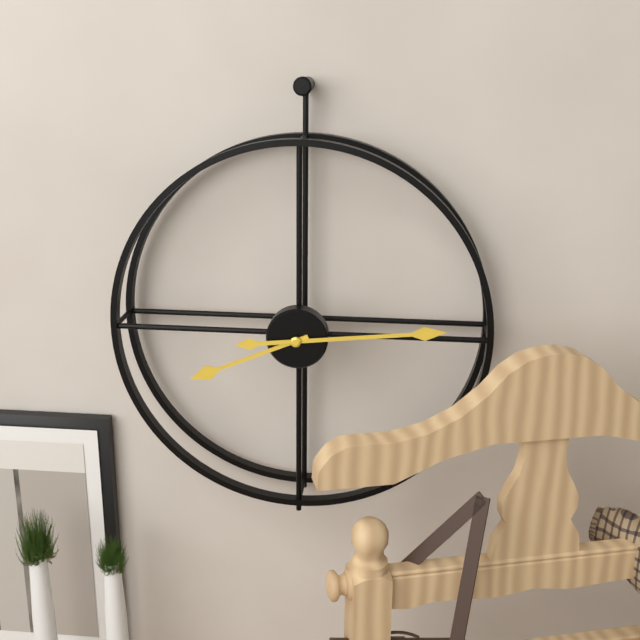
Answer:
{"hour": 8, "minute": 14}
